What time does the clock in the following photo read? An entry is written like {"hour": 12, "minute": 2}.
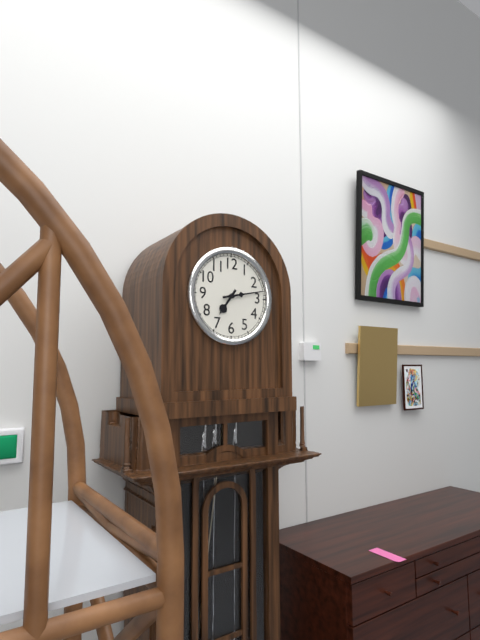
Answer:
{"hour": 7, "minute": 13}
